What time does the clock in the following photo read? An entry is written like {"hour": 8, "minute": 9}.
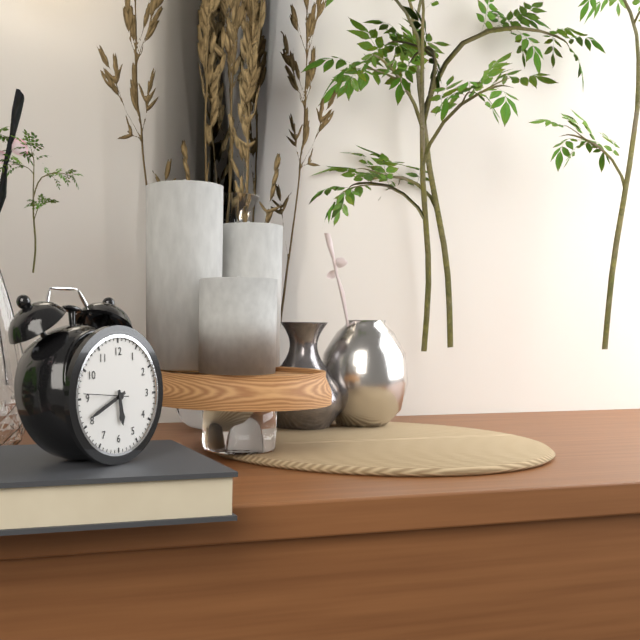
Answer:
{"hour": 5, "minute": 41}
